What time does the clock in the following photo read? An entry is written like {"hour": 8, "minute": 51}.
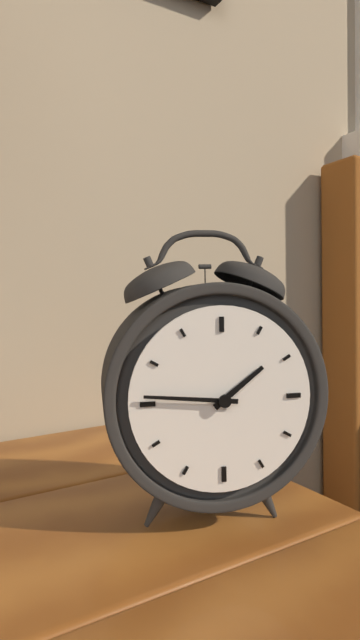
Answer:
{"hour": 1, "minute": 46}
